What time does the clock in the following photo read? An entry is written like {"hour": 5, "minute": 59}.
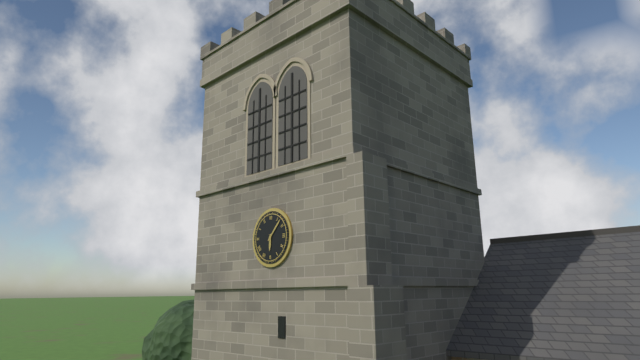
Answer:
{"hour": 6, "minute": 7}
